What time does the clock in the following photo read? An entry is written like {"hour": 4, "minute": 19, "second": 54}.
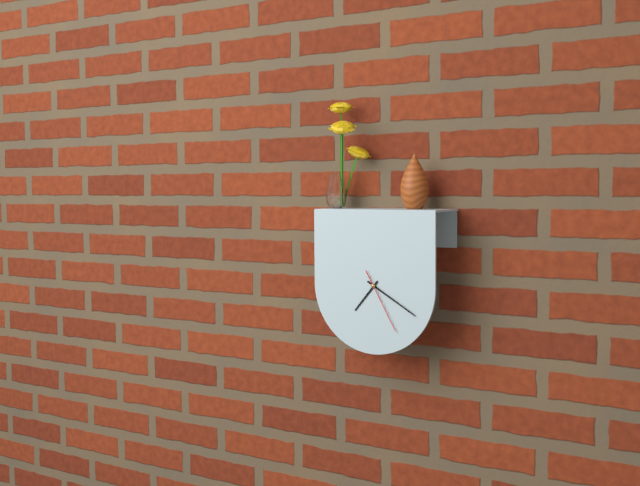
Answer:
{"hour": 7, "minute": 20, "second": 25}
